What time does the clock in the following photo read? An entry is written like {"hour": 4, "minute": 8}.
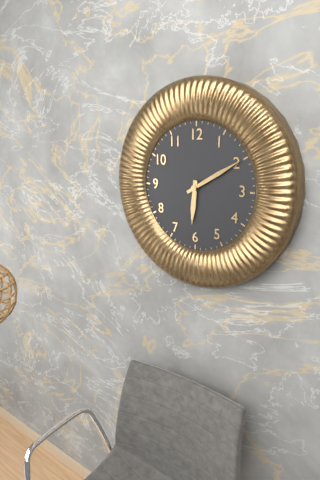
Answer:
{"hour": 6, "minute": 10}
